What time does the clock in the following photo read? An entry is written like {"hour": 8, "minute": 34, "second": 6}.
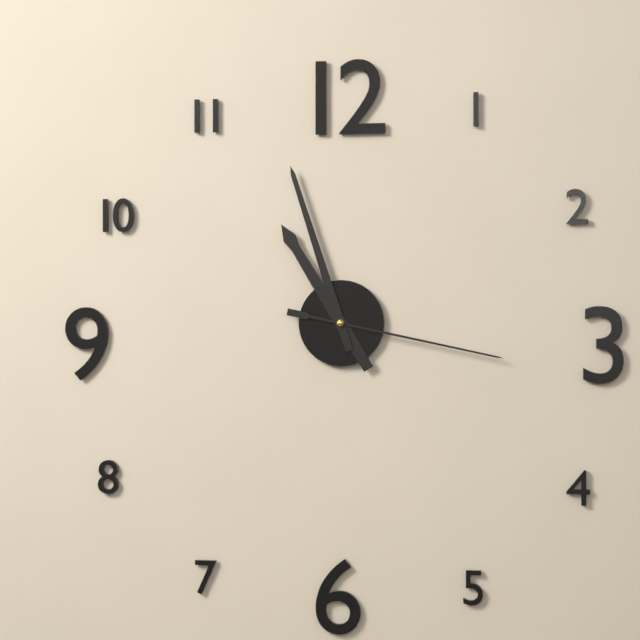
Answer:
{"hour": 10, "minute": 57, "second": 17}
